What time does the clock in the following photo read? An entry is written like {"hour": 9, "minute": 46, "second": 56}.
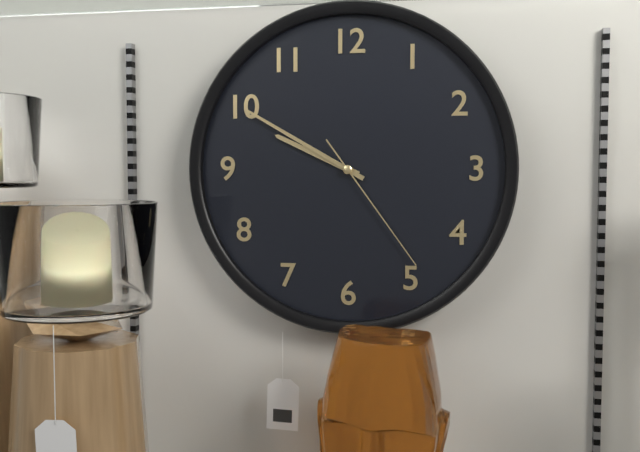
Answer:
{"hour": 9, "minute": 50, "second": 24}
